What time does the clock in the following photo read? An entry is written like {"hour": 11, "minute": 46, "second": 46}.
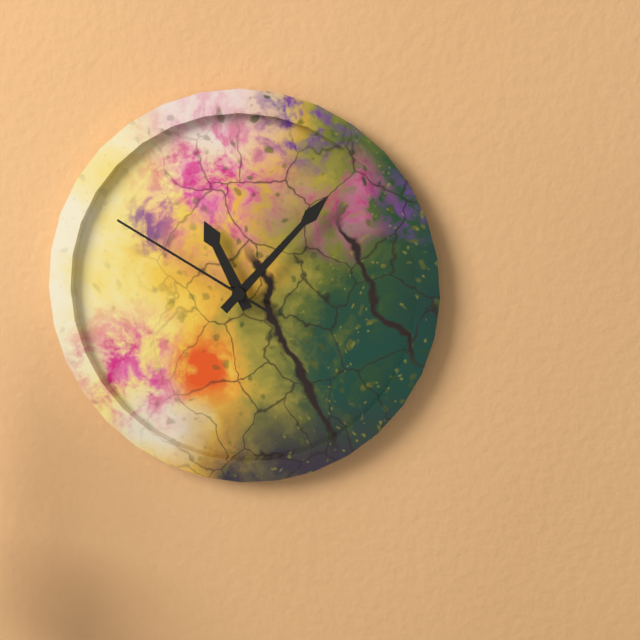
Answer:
{"hour": 11, "minute": 7, "second": 50}
